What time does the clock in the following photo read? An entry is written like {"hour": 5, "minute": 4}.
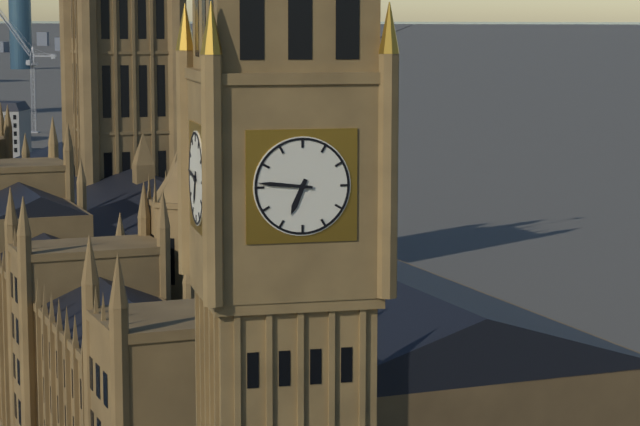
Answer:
{"hour": 6, "minute": 46}
